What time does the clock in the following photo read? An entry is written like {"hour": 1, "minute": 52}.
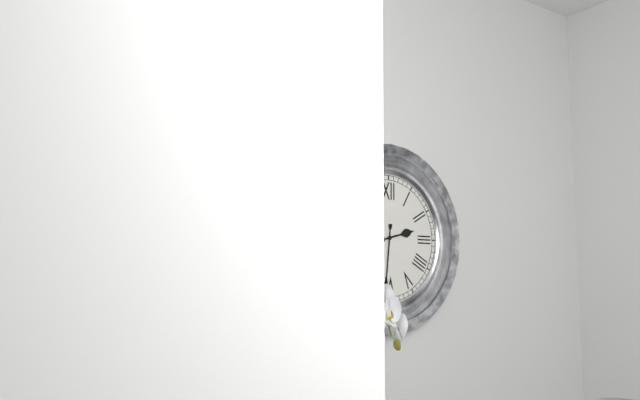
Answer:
{"hour": 2, "minute": 31}
